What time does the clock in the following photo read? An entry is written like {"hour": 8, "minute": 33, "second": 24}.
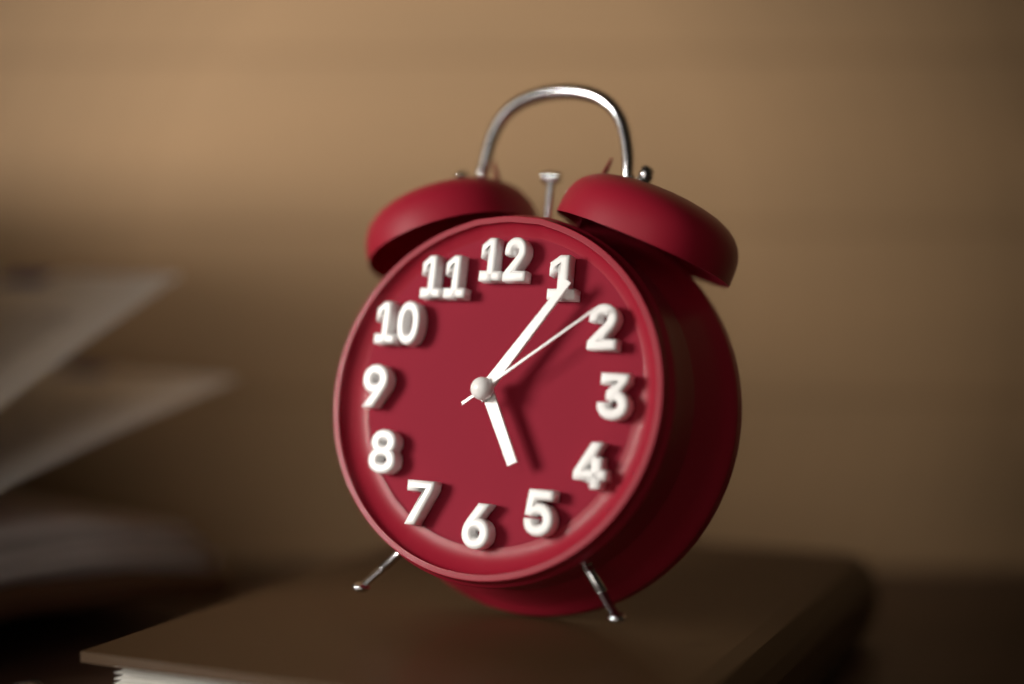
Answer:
{"hour": 5, "minute": 6, "second": 9}
